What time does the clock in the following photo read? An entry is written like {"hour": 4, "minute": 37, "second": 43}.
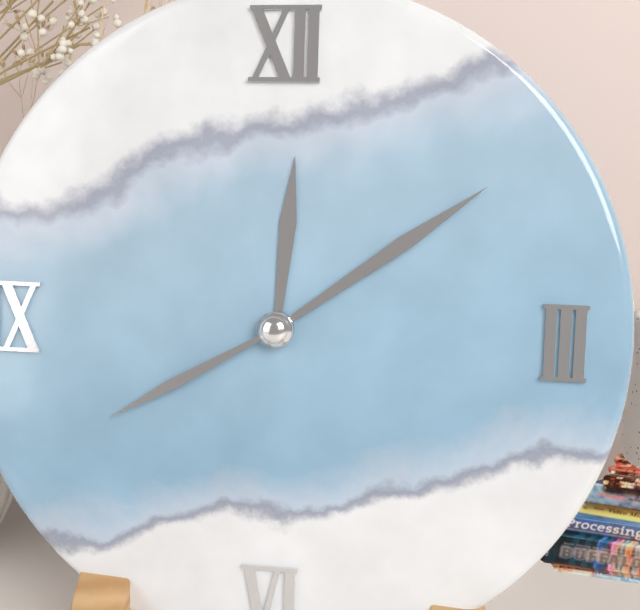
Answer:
{"hour": 12, "minute": 9, "second": 40}
